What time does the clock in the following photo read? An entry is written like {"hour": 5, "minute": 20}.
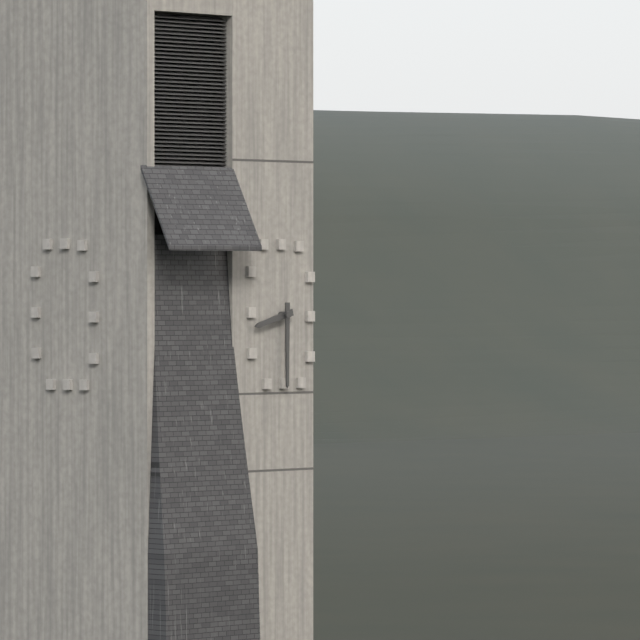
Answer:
{"hour": 8, "minute": 30}
